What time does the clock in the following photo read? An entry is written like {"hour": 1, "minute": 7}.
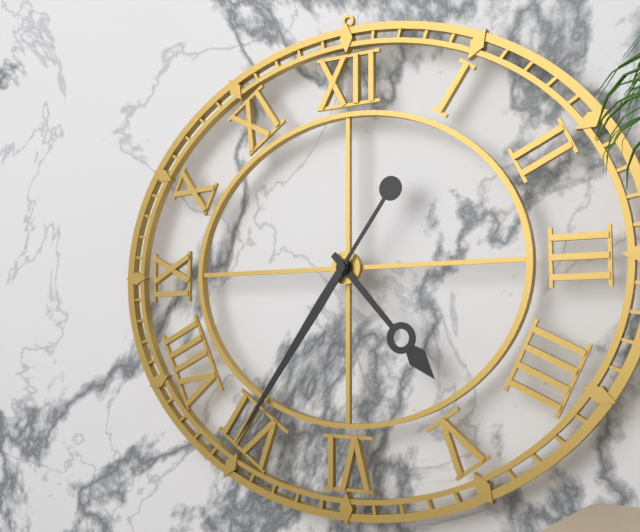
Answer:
{"hour": 4, "minute": 36}
